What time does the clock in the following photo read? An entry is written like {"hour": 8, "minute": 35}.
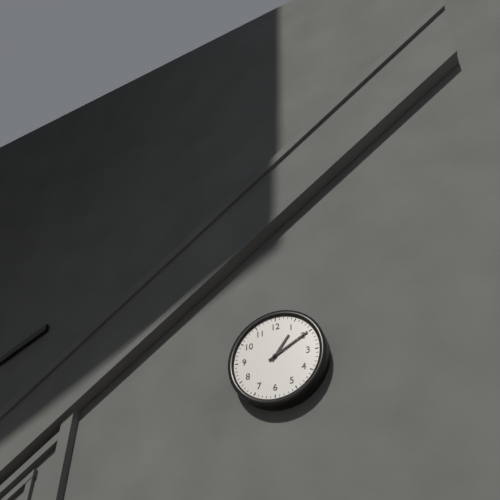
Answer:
{"hour": 1, "minute": 10}
